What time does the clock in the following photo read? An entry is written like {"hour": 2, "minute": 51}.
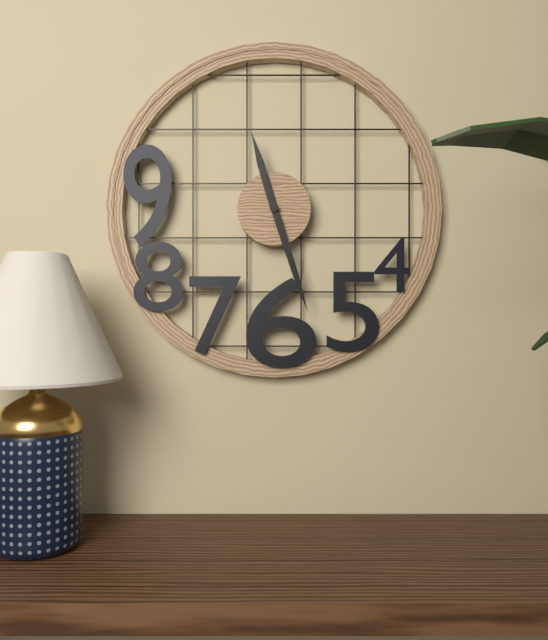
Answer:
{"hour": 11, "minute": 27}
